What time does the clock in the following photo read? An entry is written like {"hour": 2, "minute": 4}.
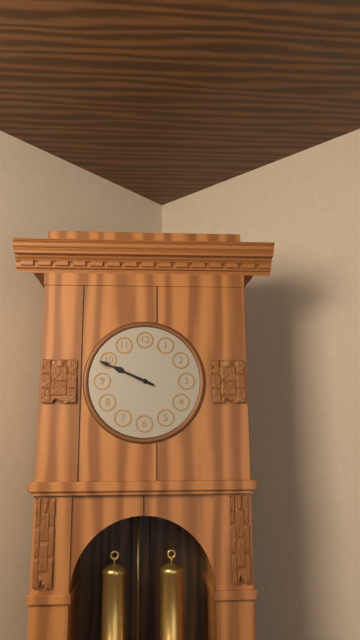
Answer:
{"hour": 9, "minute": 49}
